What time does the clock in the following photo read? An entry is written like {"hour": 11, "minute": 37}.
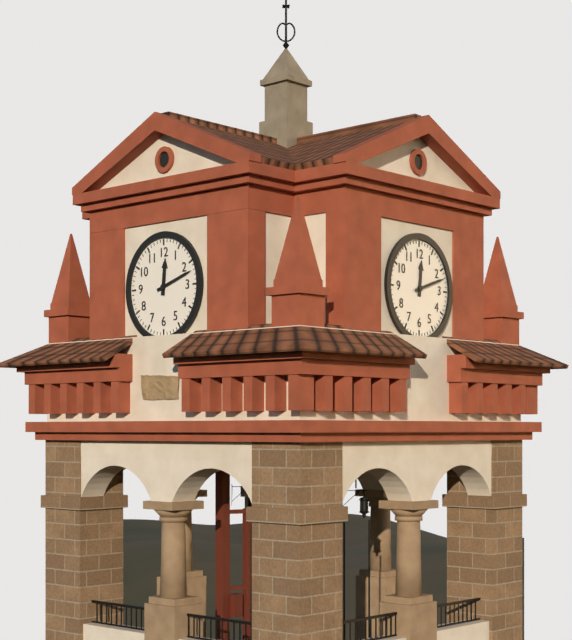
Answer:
{"hour": 12, "minute": 12}
